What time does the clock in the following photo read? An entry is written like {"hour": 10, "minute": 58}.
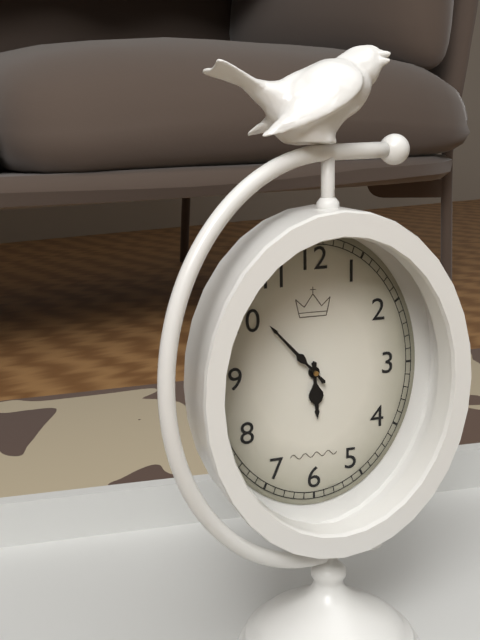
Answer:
{"hour": 5, "minute": 53}
